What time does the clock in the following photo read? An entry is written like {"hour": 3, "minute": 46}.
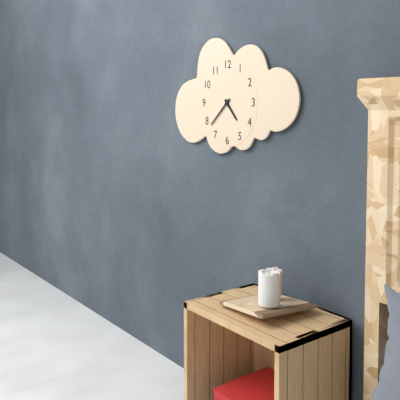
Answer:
{"hour": 4, "minute": 38}
